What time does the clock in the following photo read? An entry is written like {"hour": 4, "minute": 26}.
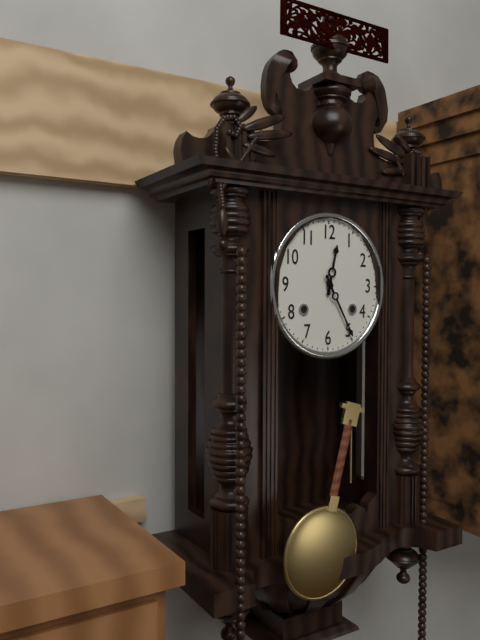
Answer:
{"hour": 12, "minute": 25}
